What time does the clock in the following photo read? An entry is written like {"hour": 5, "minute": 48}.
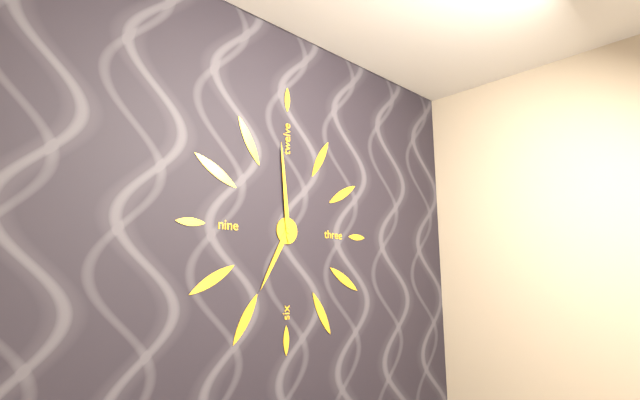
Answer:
{"hour": 6, "minute": 59}
